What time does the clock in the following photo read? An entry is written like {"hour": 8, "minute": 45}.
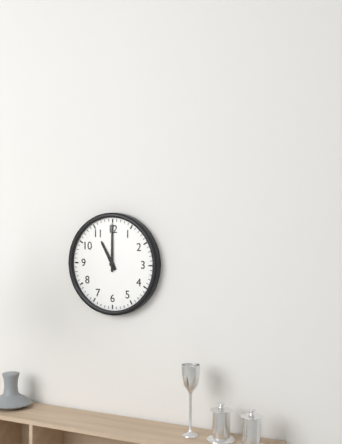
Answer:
{"hour": 11, "minute": 0}
